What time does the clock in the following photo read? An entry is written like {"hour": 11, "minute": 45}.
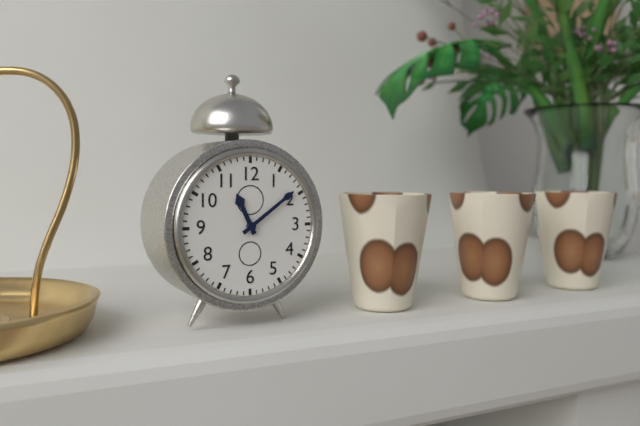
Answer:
{"hour": 11, "minute": 9}
